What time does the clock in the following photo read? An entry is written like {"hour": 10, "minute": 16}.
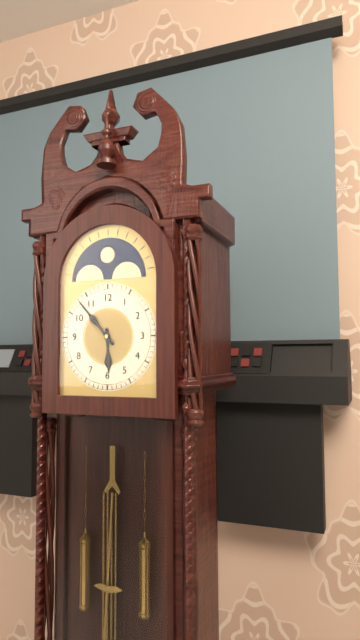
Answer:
{"hour": 5, "minute": 53}
